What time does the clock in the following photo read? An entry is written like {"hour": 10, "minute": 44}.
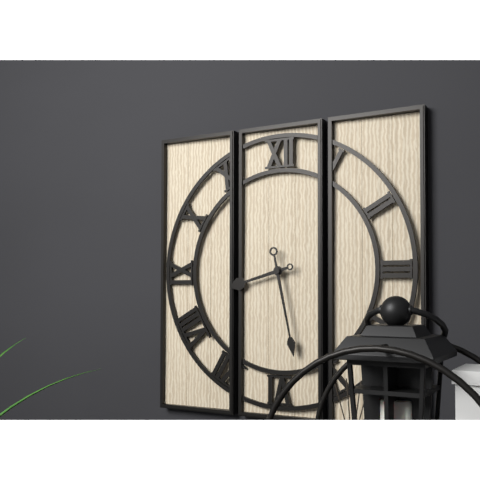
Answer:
{"hour": 8, "minute": 28}
